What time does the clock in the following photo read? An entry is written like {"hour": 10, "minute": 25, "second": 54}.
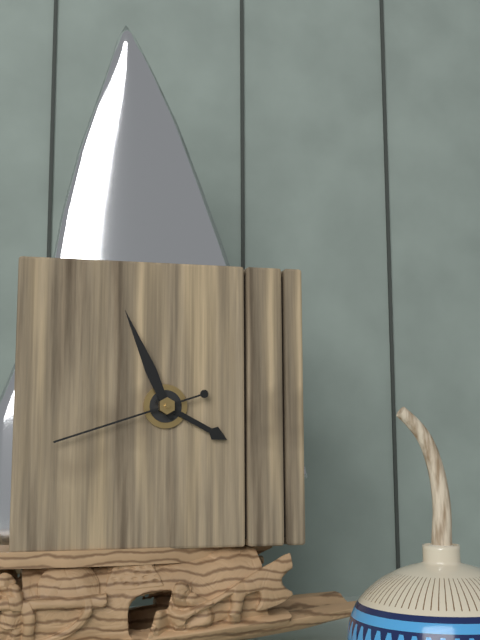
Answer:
{"hour": 3, "minute": 56, "second": 42}
